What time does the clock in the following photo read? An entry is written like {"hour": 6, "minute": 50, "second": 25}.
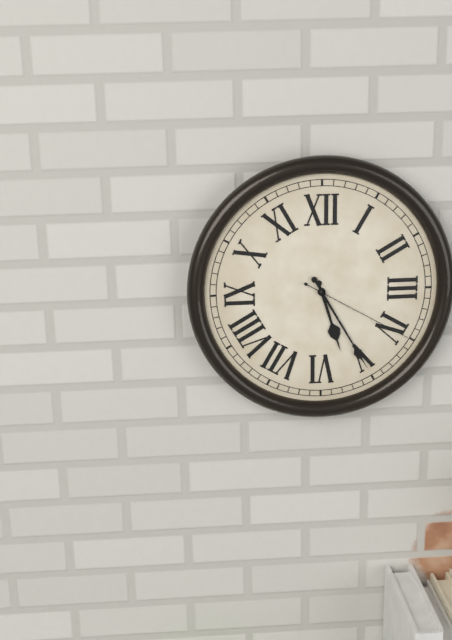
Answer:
{"hour": 5, "minute": 25, "second": 20}
